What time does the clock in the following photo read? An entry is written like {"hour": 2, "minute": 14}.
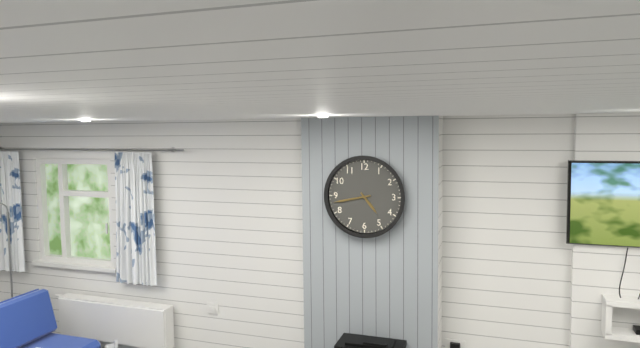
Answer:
{"hour": 4, "minute": 43}
